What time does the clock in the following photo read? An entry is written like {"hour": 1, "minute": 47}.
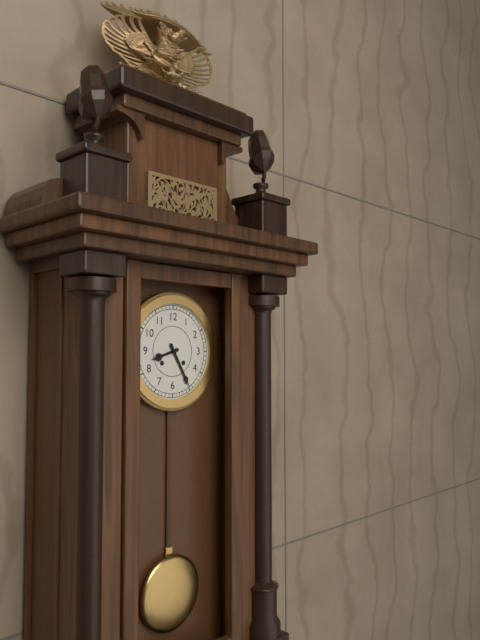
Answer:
{"hour": 8, "minute": 25}
